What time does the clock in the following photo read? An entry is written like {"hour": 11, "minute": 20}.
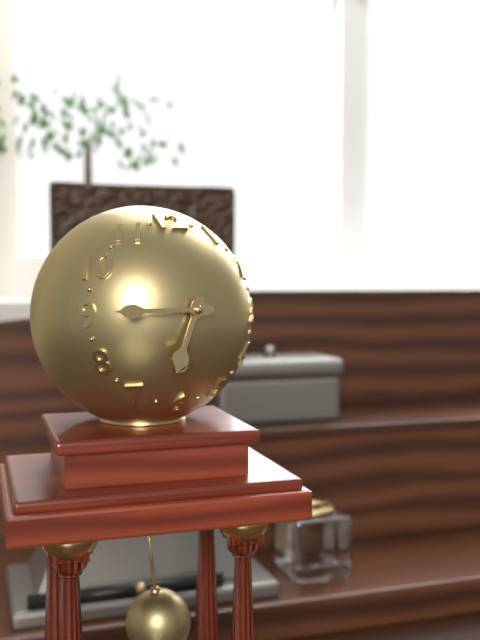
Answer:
{"hour": 6, "minute": 45}
